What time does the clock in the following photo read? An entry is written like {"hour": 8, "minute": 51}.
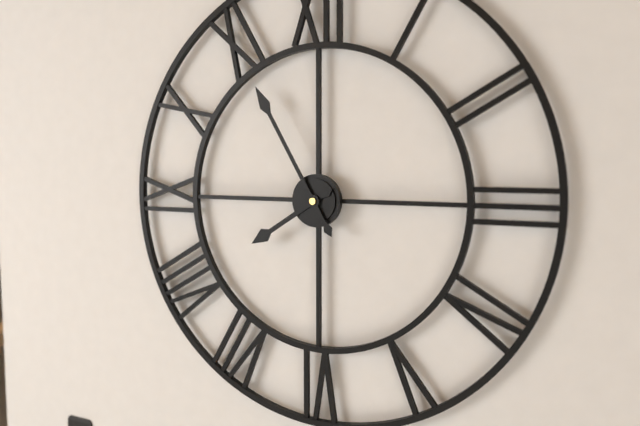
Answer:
{"hour": 7, "minute": 55}
